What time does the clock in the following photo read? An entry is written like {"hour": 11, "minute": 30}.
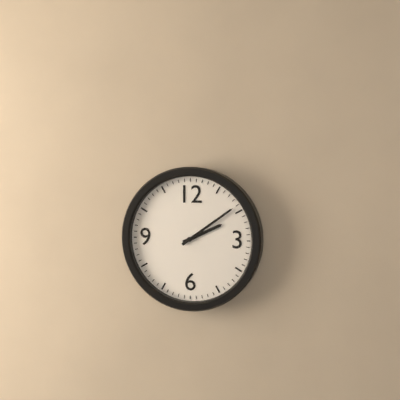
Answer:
{"hour": 2, "minute": 9}
